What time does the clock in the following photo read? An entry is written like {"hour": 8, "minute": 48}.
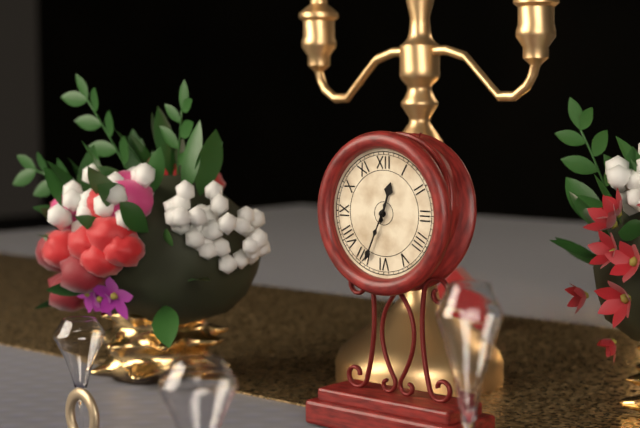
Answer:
{"hour": 12, "minute": 34}
